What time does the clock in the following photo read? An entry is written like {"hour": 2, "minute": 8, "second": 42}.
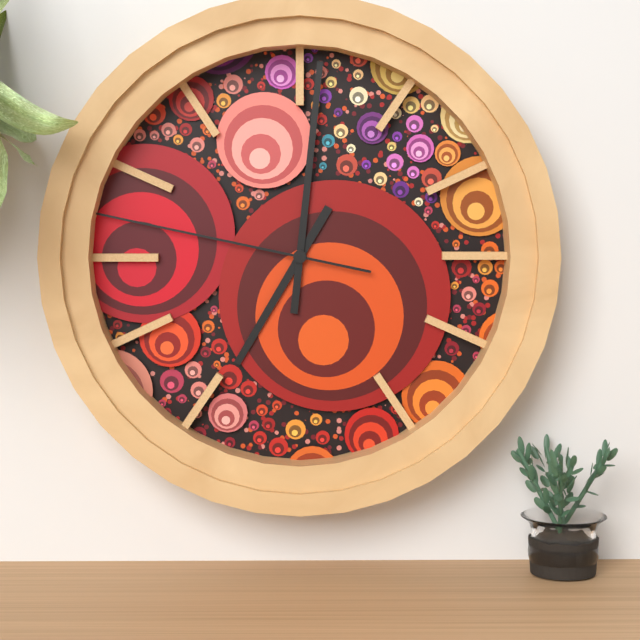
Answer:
{"hour": 7, "minute": 1, "second": 47}
